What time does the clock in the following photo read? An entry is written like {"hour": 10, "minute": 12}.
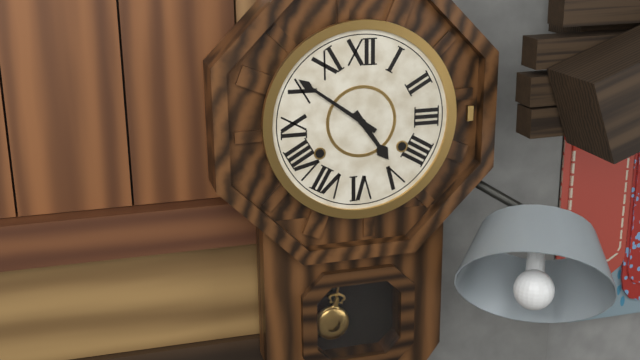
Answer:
{"hour": 4, "minute": 51}
